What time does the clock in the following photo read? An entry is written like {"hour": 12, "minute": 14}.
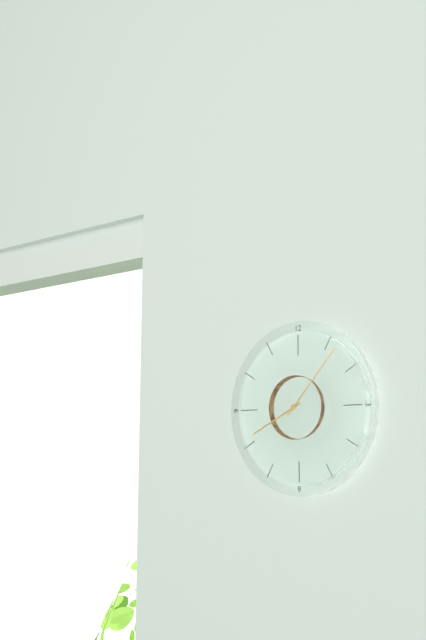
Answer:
{"hour": 8, "minute": 7}
